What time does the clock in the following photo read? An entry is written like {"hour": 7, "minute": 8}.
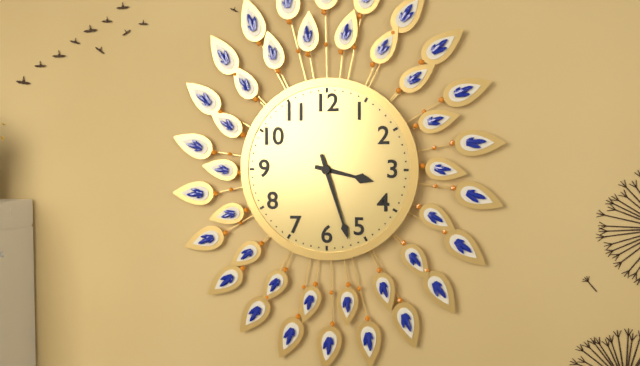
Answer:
{"hour": 3, "minute": 27}
